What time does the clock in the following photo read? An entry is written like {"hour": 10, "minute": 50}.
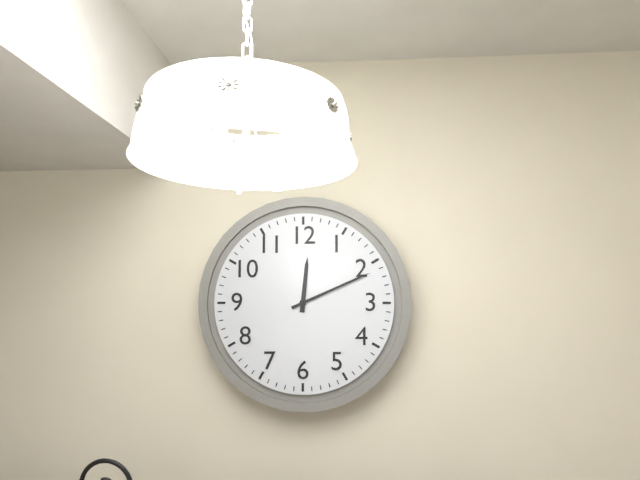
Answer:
{"hour": 12, "minute": 11}
